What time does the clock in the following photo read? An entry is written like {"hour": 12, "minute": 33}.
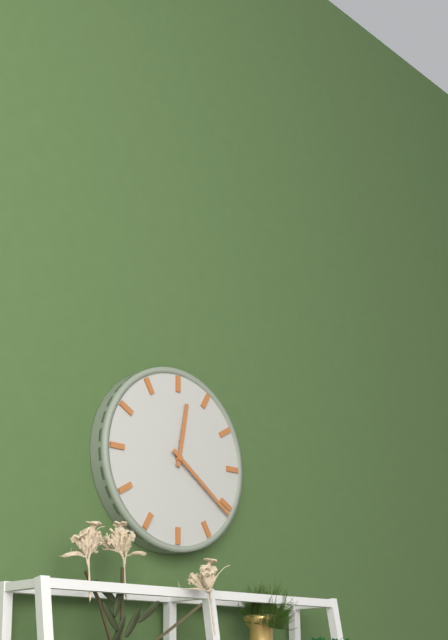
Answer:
{"hour": 12, "minute": 21}
